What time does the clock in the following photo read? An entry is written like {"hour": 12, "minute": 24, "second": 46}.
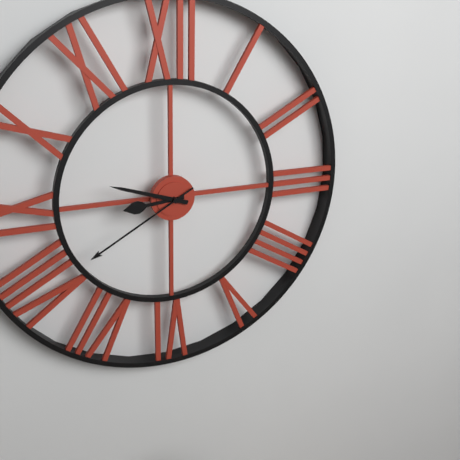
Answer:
{"hour": 8, "minute": 48, "second": 40}
